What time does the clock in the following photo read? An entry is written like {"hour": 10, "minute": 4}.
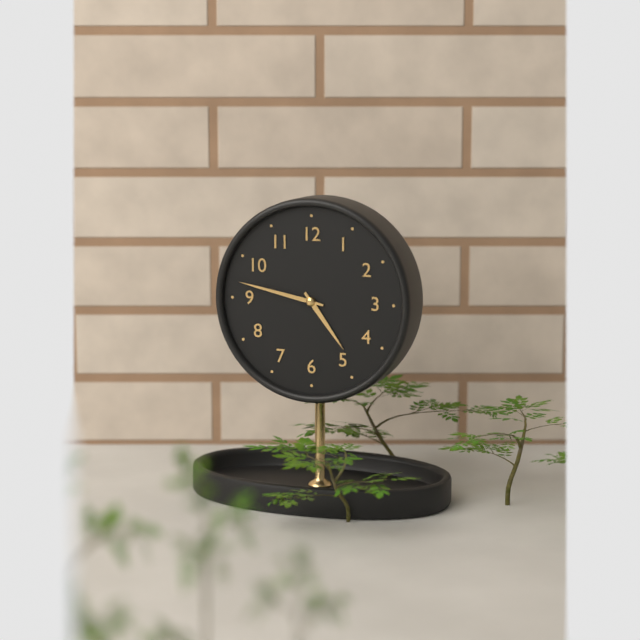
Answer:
{"hour": 4, "minute": 47}
